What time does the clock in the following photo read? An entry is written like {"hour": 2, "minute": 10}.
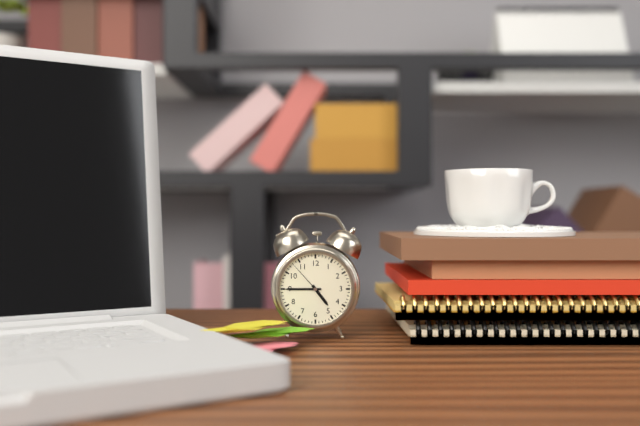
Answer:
{"hour": 4, "minute": 45}
